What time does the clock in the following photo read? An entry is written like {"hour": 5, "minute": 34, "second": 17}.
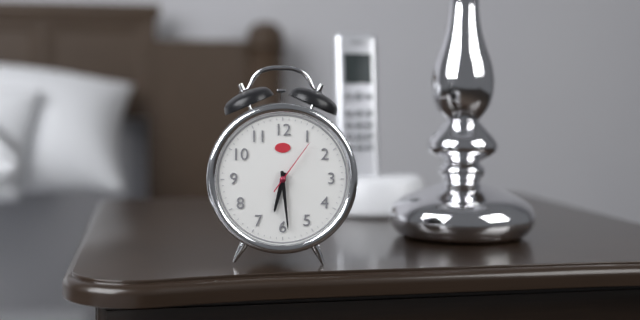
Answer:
{"hour": 6, "minute": 29, "second": 6}
